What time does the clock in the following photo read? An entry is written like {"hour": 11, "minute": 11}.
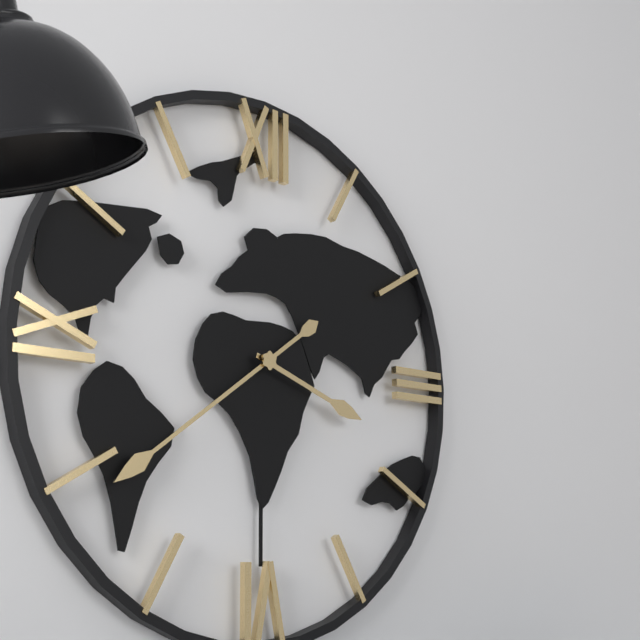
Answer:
{"hour": 3, "minute": 39}
